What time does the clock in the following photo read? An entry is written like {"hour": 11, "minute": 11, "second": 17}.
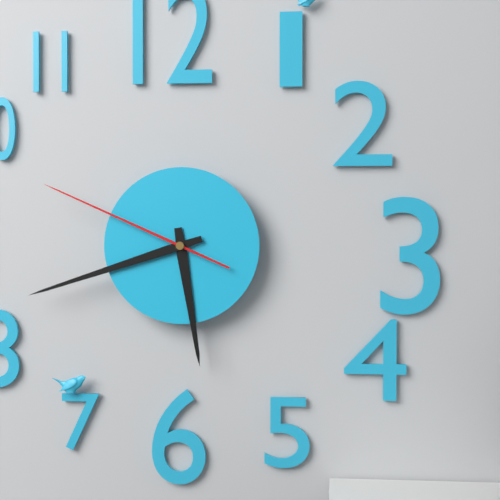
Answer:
{"hour": 5, "minute": 42, "second": 49}
